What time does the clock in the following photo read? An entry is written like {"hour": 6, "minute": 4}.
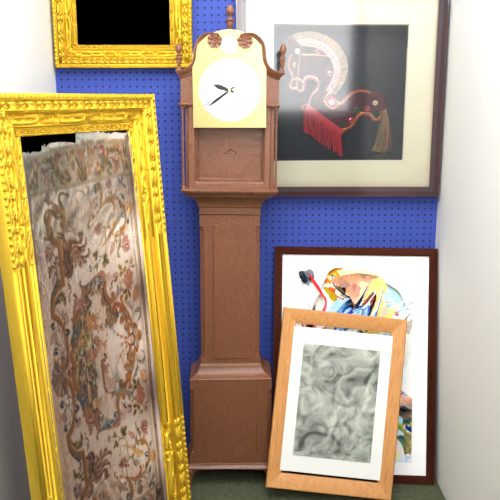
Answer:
{"hour": 9, "minute": 39}
